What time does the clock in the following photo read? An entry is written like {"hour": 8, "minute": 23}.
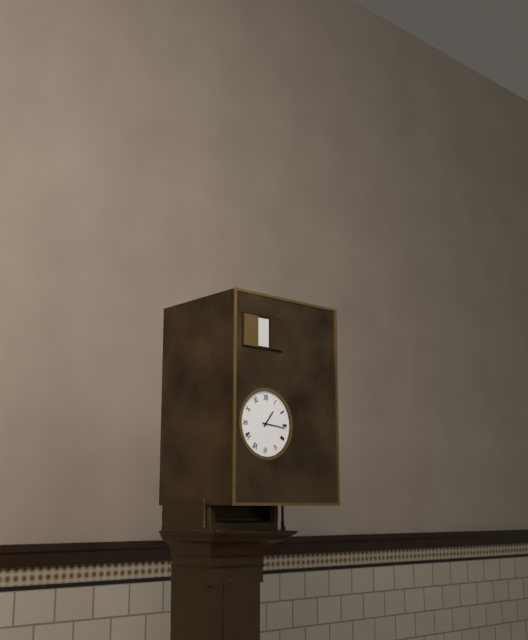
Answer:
{"hour": 1, "minute": 16}
